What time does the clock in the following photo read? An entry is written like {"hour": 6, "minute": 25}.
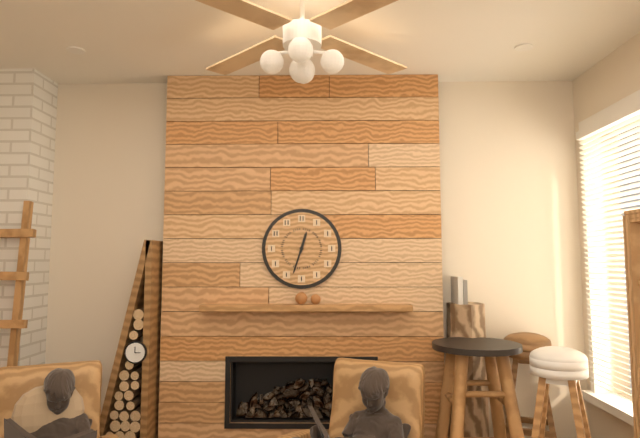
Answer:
{"hour": 12, "minute": 33}
